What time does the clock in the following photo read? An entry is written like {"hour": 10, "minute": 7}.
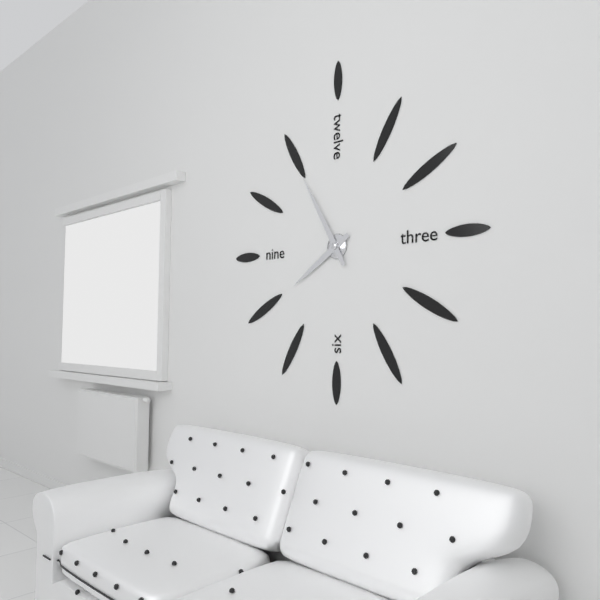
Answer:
{"hour": 7, "minute": 55}
